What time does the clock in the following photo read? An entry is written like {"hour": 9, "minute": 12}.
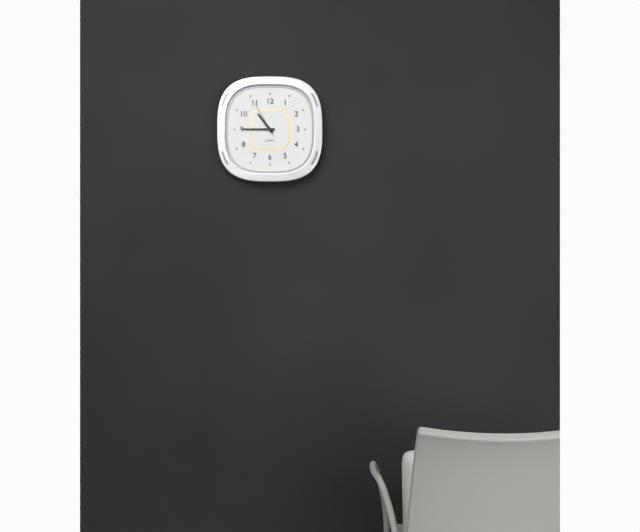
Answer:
{"hour": 10, "minute": 45}
